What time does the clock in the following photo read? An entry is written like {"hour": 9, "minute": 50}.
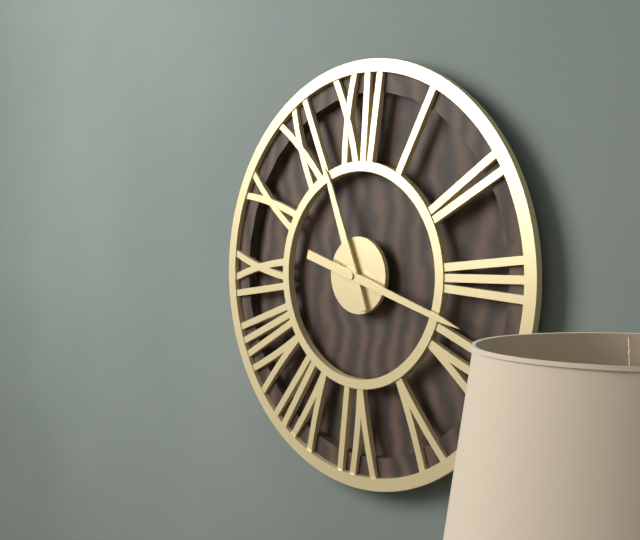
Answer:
{"hour": 11, "minute": 18}
